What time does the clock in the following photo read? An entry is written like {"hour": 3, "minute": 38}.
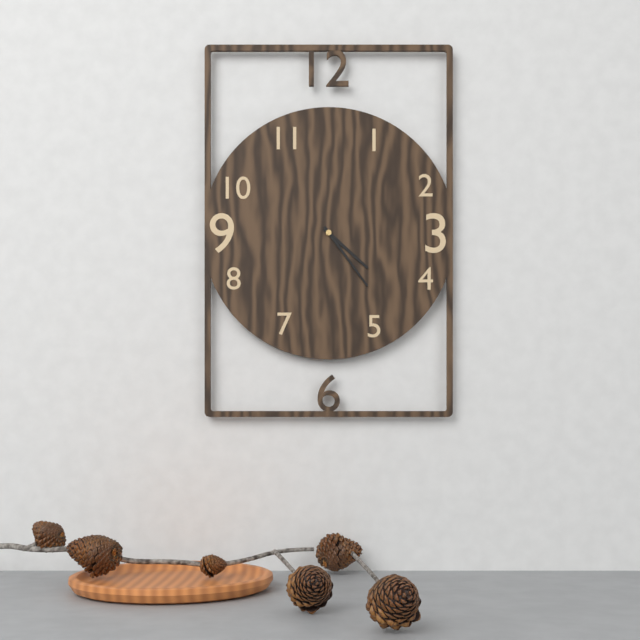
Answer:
{"hour": 4, "minute": 24}
